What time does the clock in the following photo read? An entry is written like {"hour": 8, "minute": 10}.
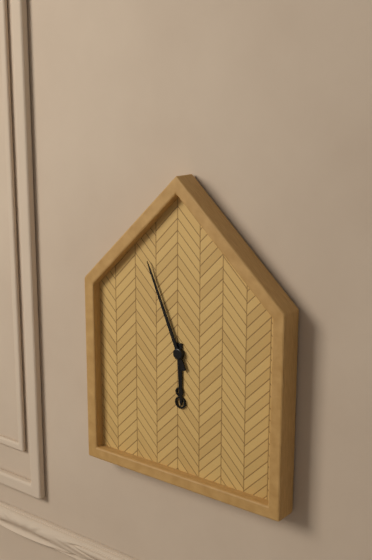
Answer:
{"hour": 5, "minute": 56}
